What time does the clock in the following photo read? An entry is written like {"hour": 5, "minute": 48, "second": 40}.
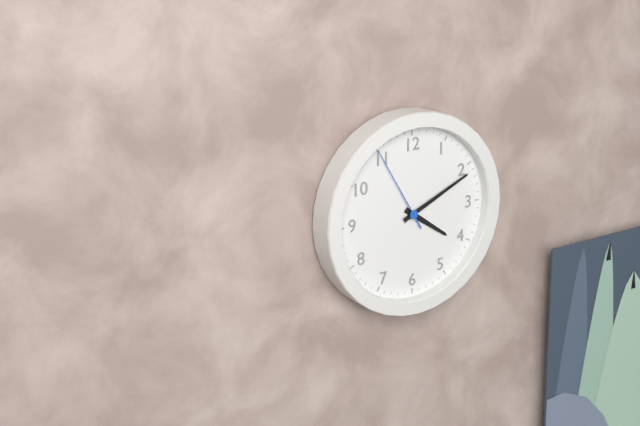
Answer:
{"hour": 4, "minute": 11, "second": 55}
